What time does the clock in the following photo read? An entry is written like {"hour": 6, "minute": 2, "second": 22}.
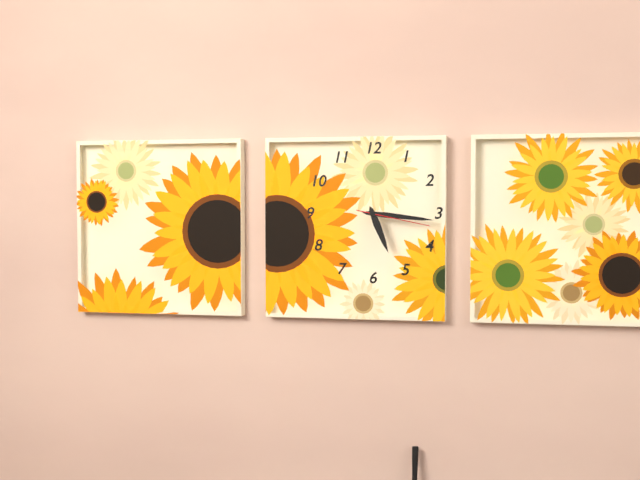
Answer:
{"hour": 5, "minute": 16, "second": 17}
